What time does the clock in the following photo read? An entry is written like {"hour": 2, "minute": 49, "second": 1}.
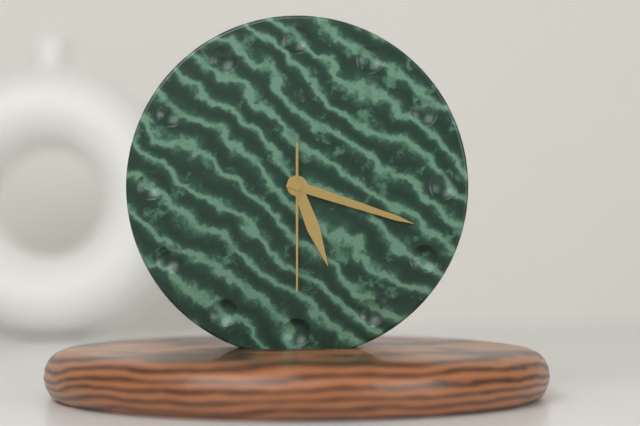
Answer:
{"hour": 5, "minute": 18, "second": 30}
